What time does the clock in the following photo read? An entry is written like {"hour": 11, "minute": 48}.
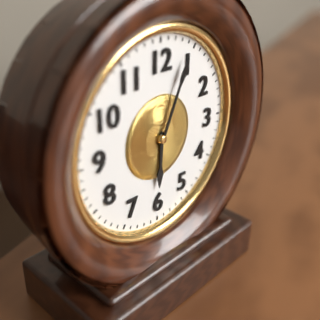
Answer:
{"hour": 6, "minute": 4}
